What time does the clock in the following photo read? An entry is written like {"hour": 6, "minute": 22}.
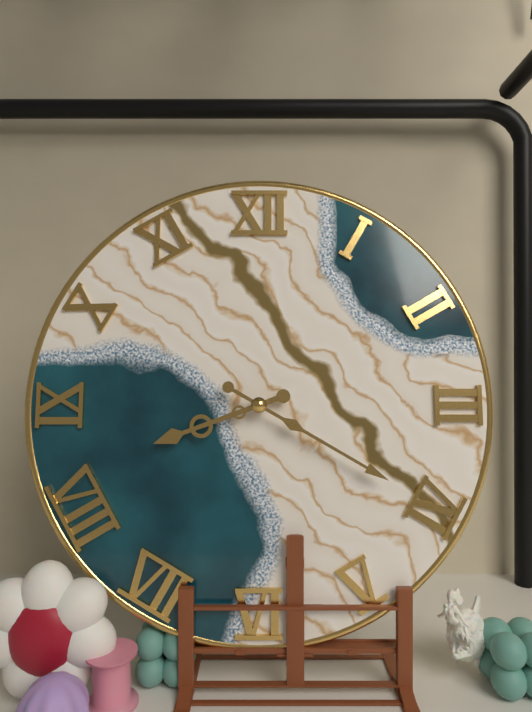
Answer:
{"hour": 8, "minute": 20}
